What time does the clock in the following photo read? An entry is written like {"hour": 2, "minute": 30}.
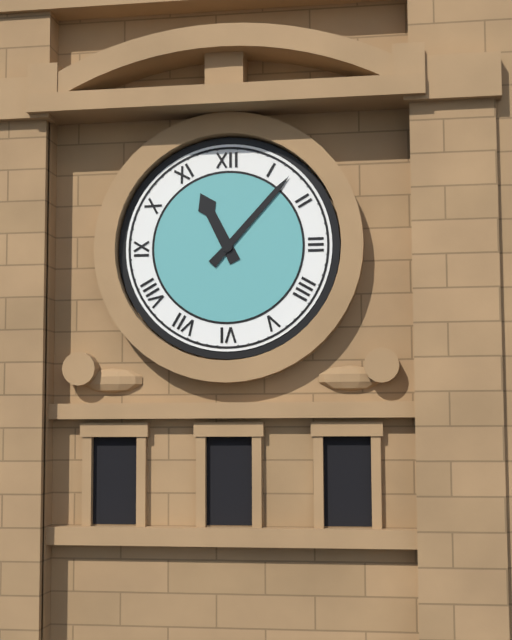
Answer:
{"hour": 11, "minute": 7}
